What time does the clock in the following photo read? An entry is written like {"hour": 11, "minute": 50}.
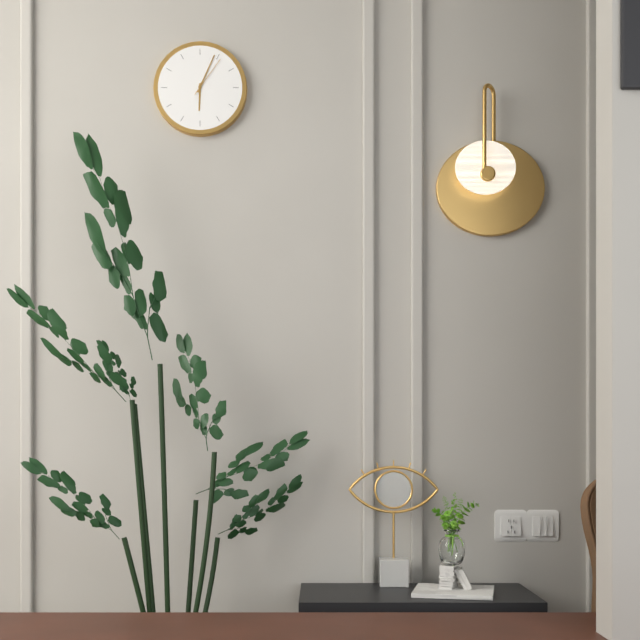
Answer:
{"hour": 6, "minute": 4}
